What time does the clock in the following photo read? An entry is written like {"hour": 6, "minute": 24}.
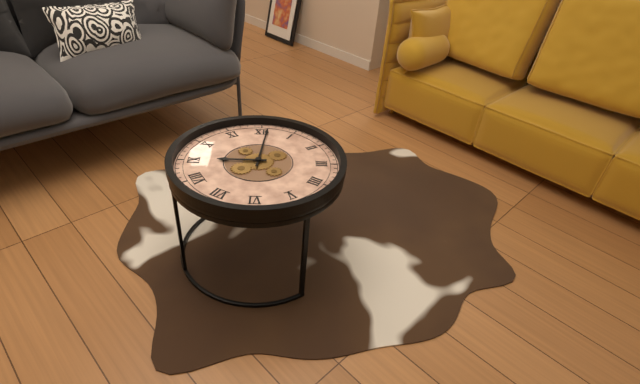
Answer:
{"hour": 9, "minute": 1}
